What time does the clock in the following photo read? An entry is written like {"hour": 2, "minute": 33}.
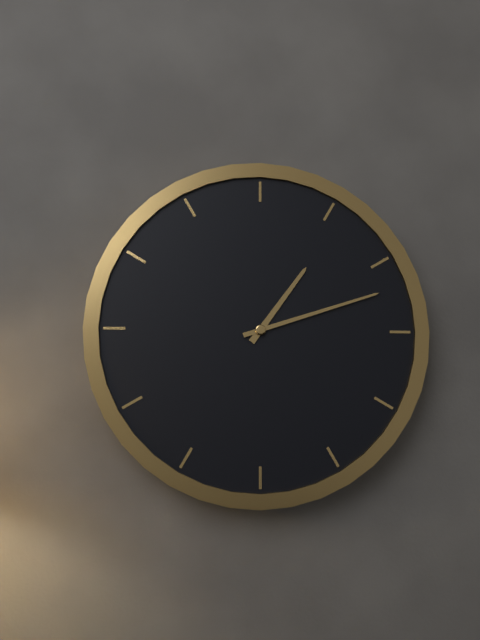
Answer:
{"hour": 1, "minute": 12}
